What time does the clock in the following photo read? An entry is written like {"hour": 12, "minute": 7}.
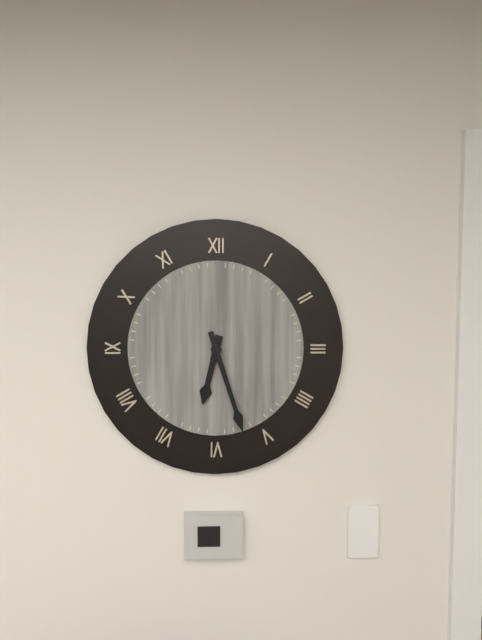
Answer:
{"hour": 6, "minute": 27}
